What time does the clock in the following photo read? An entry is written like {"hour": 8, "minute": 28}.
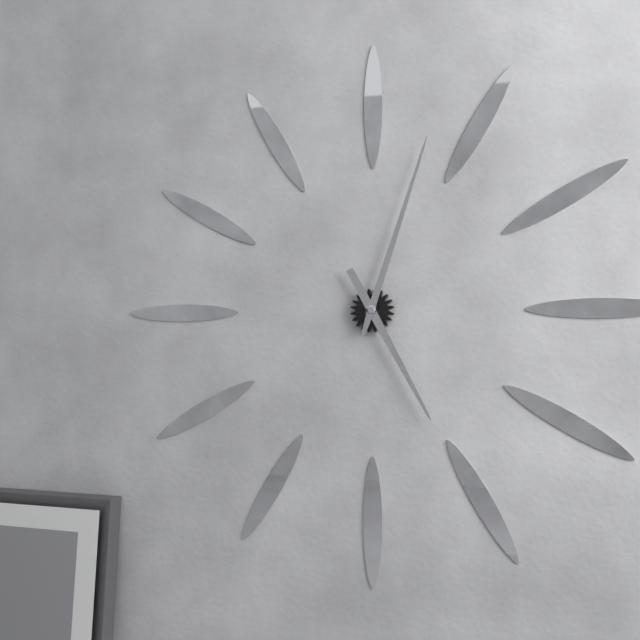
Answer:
{"hour": 5, "minute": 3}
